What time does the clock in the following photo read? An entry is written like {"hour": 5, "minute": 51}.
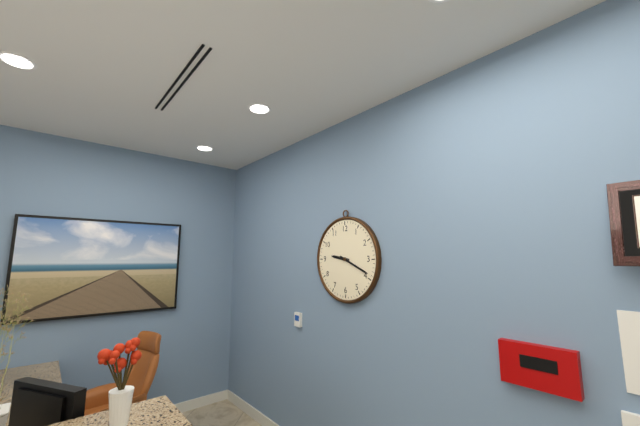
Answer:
{"hour": 9, "minute": 19}
